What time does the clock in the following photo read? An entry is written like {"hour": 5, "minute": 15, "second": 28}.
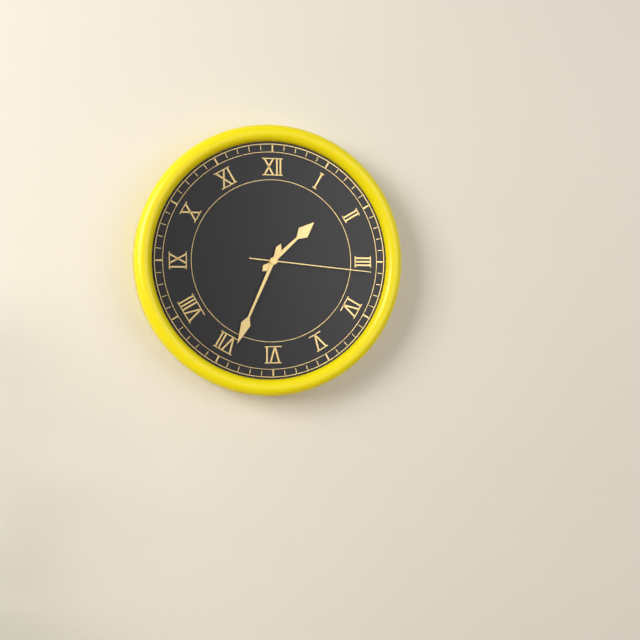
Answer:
{"hour": 1, "minute": 34, "second": 16}
